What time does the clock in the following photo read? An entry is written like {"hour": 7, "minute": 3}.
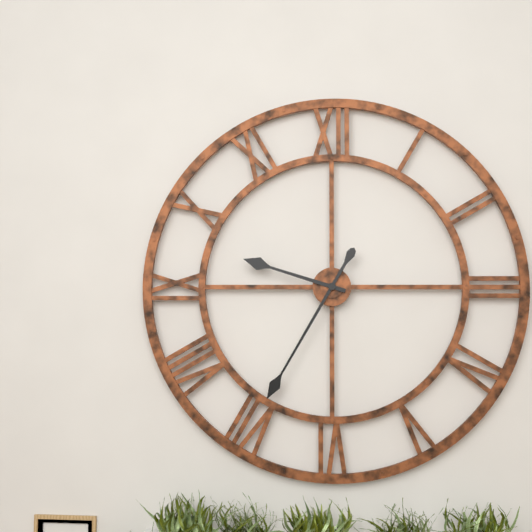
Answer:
{"hour": 9, "minute": 35}
